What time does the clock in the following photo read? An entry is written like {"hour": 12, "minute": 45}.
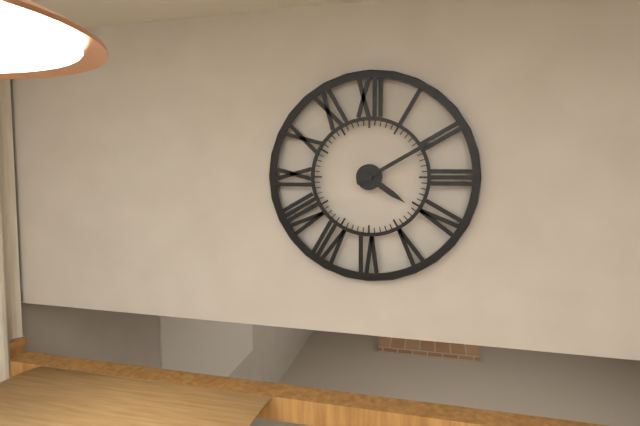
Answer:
{"hour": 4, "minute": 10}
